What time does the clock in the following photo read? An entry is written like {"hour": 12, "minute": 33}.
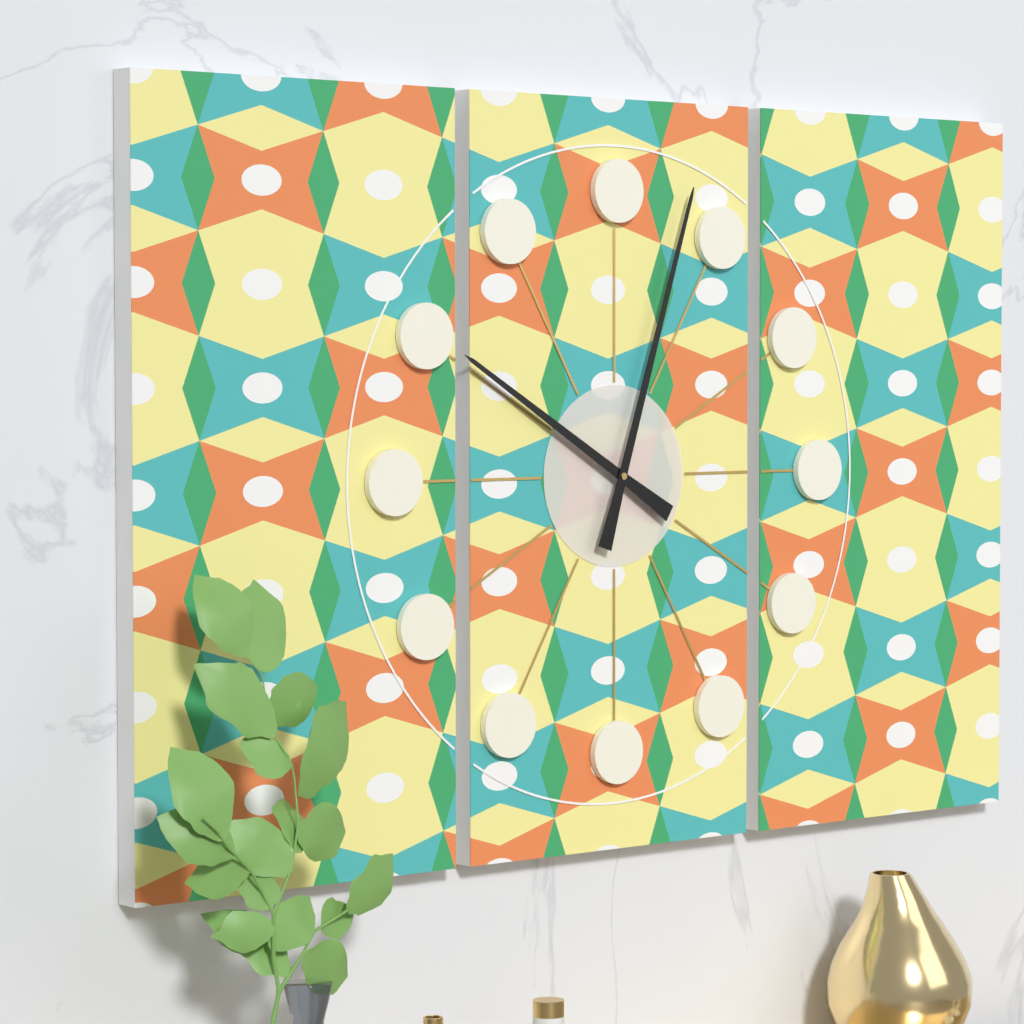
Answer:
{"hour": 10, "minute": 3}
